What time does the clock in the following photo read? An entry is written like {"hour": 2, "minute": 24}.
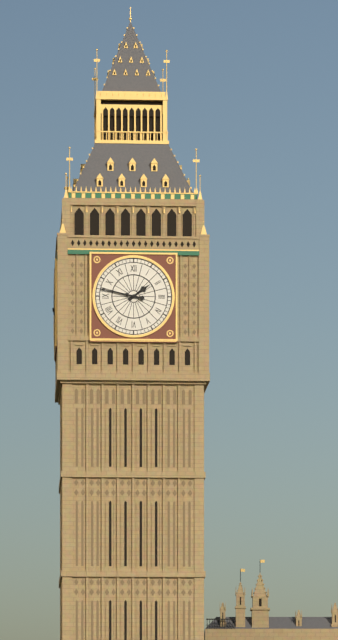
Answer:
{"hour": 1, "minute": 47}
